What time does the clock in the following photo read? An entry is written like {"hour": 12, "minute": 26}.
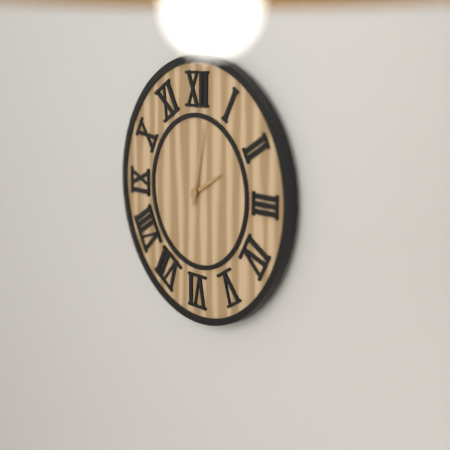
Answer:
{"hour": 2, "minute": 2}
